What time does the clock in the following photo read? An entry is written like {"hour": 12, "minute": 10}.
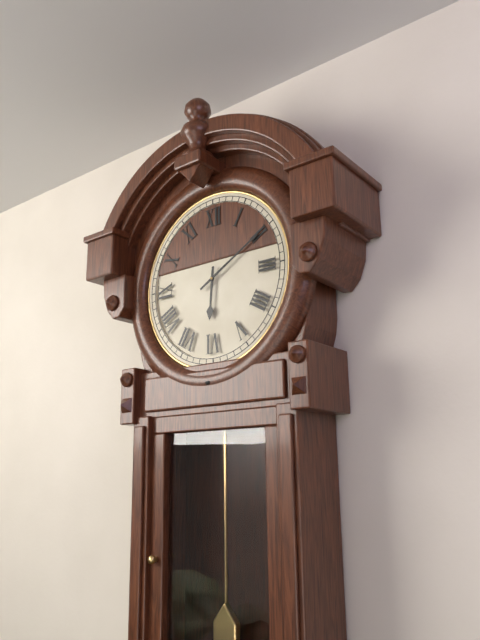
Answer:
{"hour": 6, "minute": 10}
